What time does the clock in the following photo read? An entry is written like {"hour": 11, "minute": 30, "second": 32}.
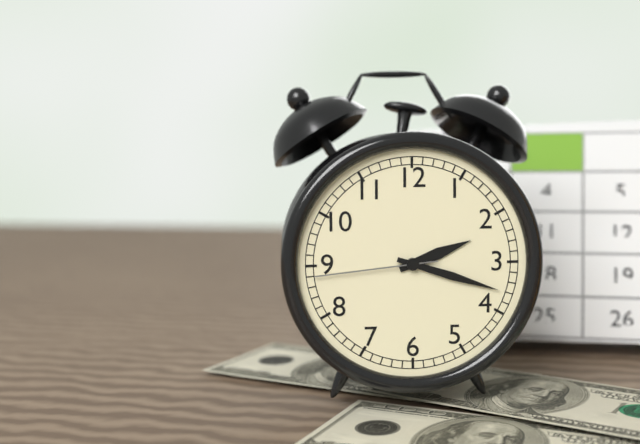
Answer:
{"hour": 2, "minute": 18, "second": 44}
